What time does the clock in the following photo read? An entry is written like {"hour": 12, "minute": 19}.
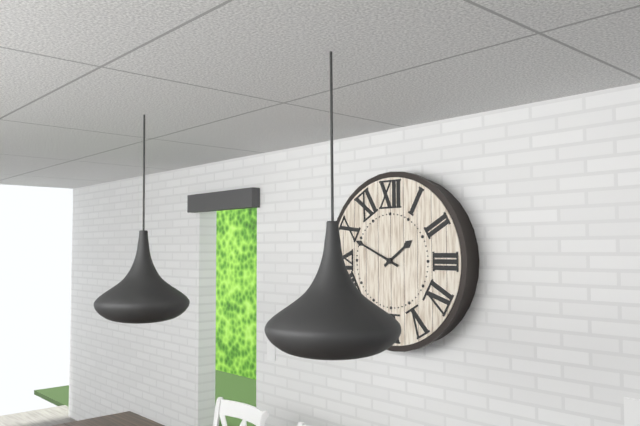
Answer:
{"hour": 1, "minute": 49}
